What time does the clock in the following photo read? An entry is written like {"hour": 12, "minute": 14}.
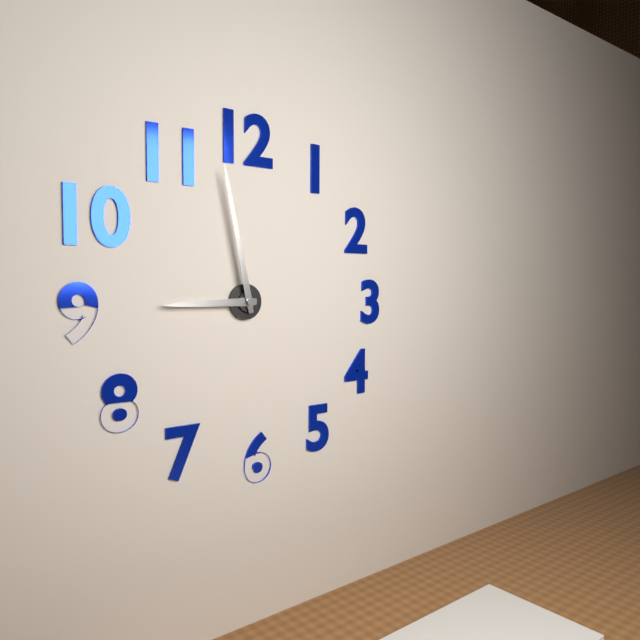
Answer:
{"hour": 8, "minute": 58}
